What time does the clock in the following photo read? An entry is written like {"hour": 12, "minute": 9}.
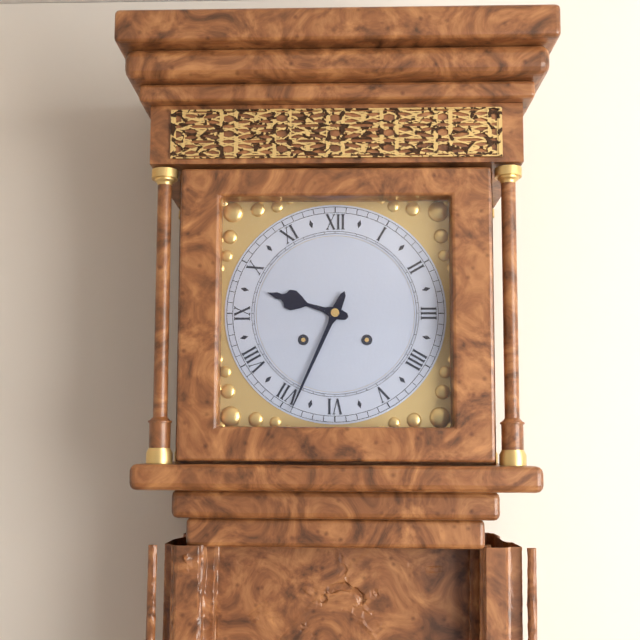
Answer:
{"hour": 9, "minute": 34}
